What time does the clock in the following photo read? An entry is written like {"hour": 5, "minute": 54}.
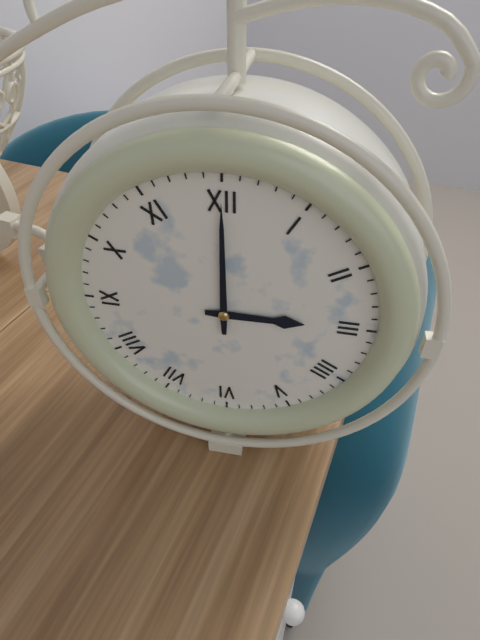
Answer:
{"hour": 3, "minute": 0}
